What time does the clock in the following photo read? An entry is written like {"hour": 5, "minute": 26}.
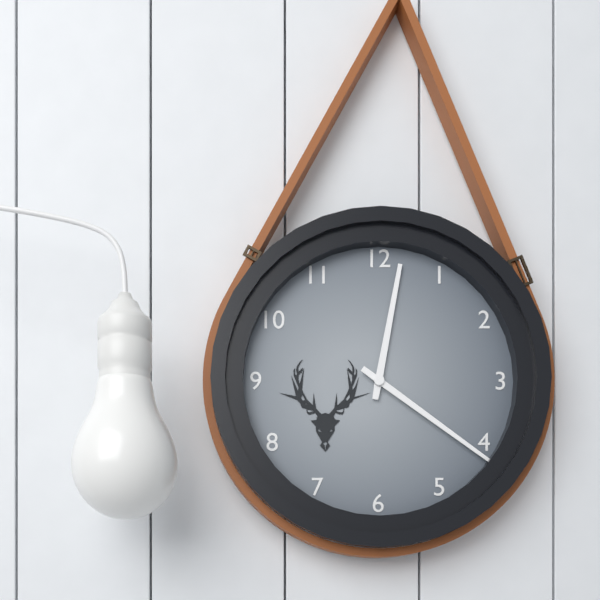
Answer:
{"hour": 12, "minute": 21}
